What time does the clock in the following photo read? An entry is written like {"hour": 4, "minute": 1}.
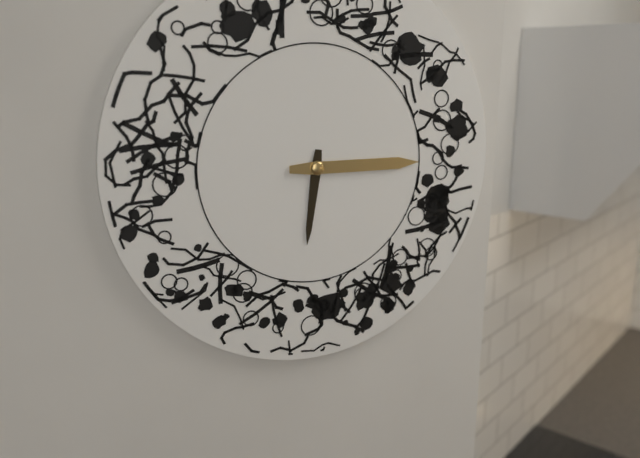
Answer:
{"hour": 6, "minute": 15}
